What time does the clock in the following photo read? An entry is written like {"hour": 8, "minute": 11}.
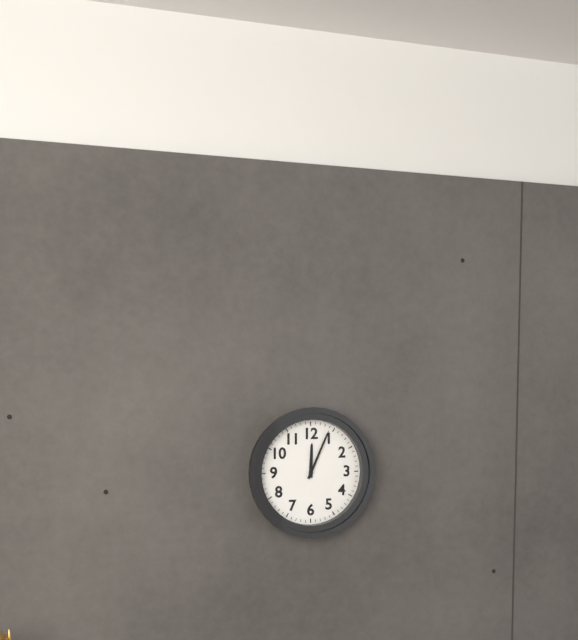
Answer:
{"hour": 12, "minute": 4}
